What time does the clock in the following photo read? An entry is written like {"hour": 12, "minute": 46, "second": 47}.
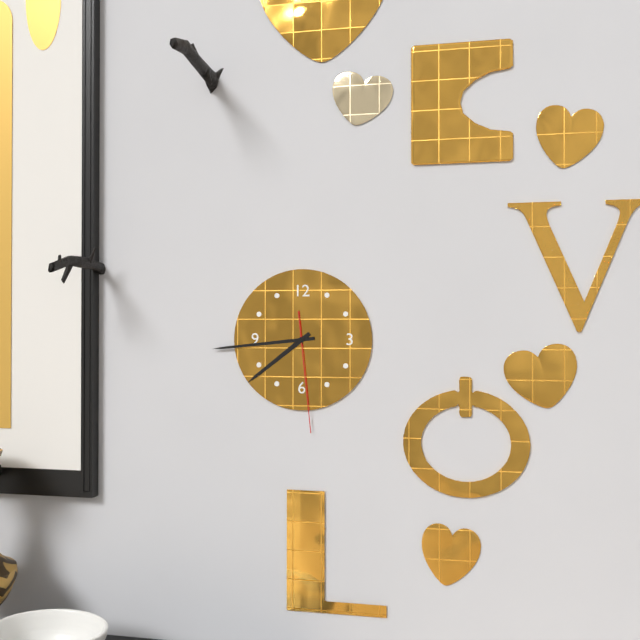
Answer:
{"hour": 7, "minute": 44, "second": 29}
